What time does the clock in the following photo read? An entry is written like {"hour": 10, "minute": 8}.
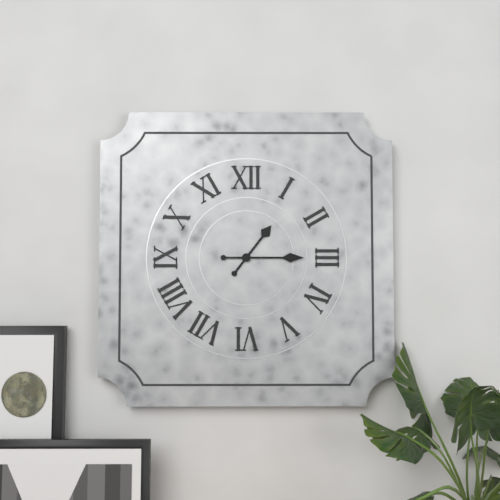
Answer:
{"hour": 1, "minute": 15}
